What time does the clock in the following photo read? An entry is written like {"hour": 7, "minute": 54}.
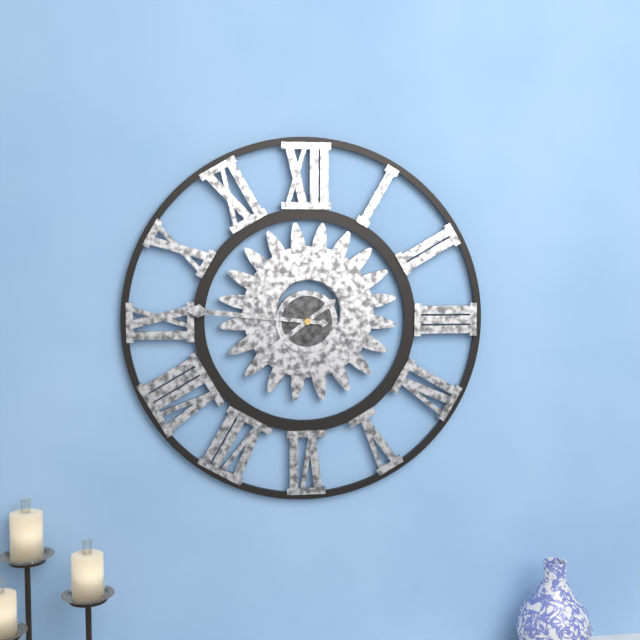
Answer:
{"hour": 7, "minute": 46}
